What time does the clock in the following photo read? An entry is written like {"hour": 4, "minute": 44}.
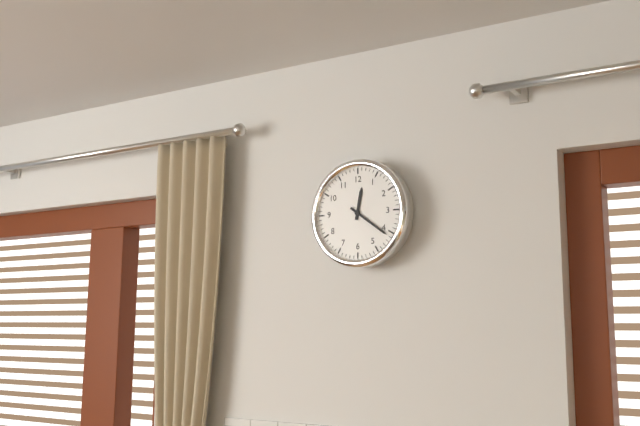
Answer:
{"hour": 12, "minute": 21}
